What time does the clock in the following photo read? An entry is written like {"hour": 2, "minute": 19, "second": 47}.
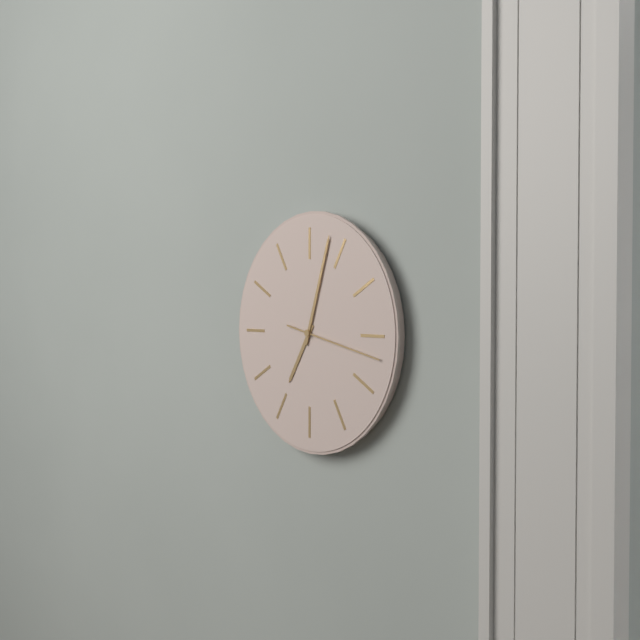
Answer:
{"hour": 7, "minute": 3, "second": 17}
